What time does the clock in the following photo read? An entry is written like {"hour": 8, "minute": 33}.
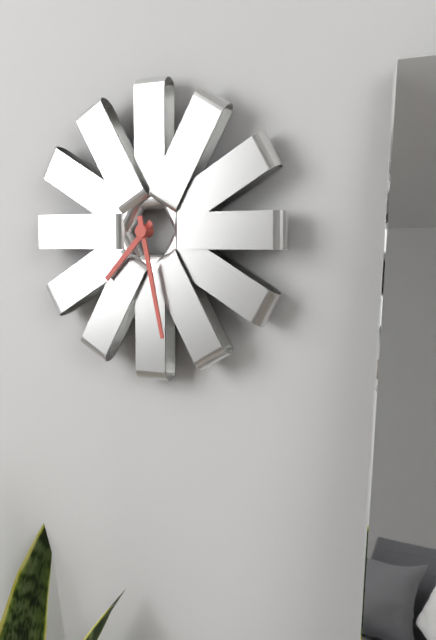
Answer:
{"hour": 7, "minute": 28}
